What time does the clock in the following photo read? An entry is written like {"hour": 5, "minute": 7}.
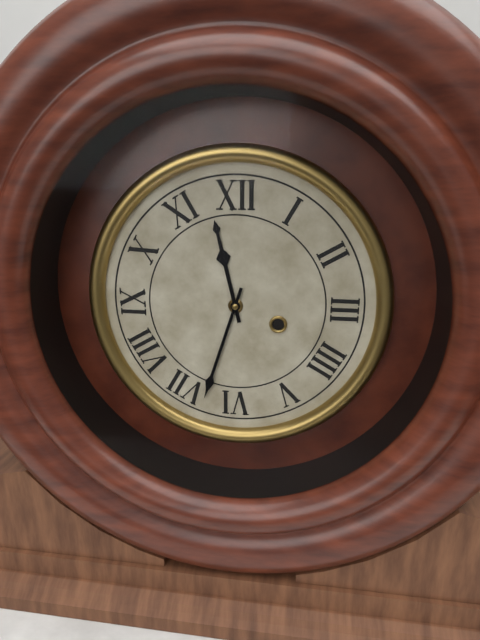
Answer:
{"hour": 11, "minute": 33}
